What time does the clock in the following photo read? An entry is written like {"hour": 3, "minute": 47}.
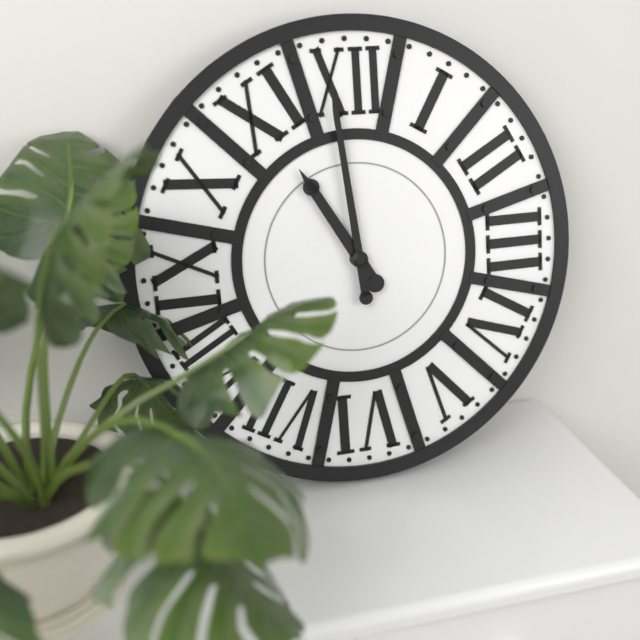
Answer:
{"hour": 10, "minute": 59}
